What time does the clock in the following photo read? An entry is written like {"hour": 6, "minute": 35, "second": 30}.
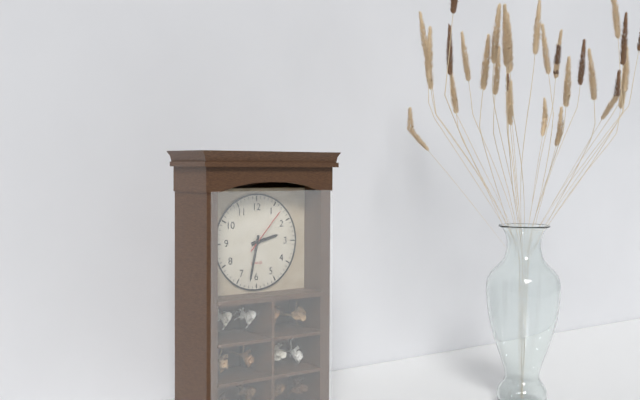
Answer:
{"hour": 2, "minute": 32, "second": 7}
